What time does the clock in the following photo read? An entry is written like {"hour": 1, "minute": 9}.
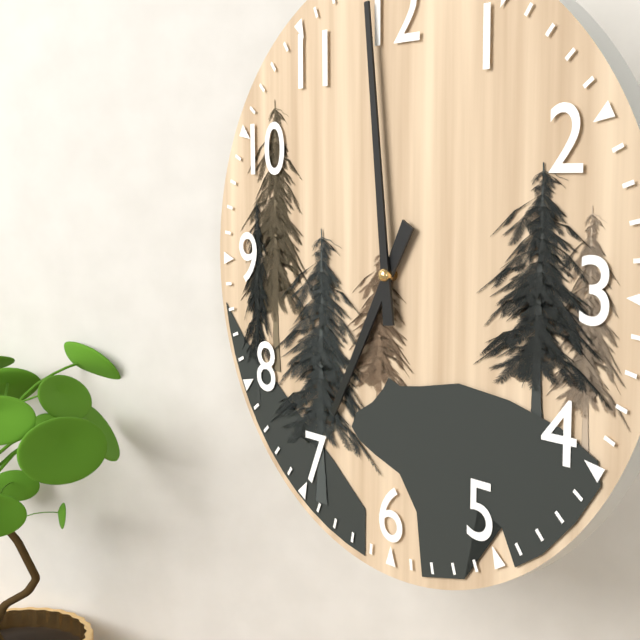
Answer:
{"hour": 6, "minute": 59}
